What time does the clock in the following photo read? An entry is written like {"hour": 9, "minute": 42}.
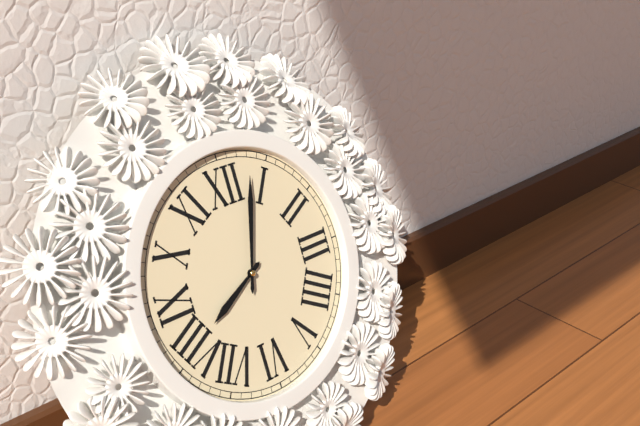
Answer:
{"hour": 8, "minute": 3}
